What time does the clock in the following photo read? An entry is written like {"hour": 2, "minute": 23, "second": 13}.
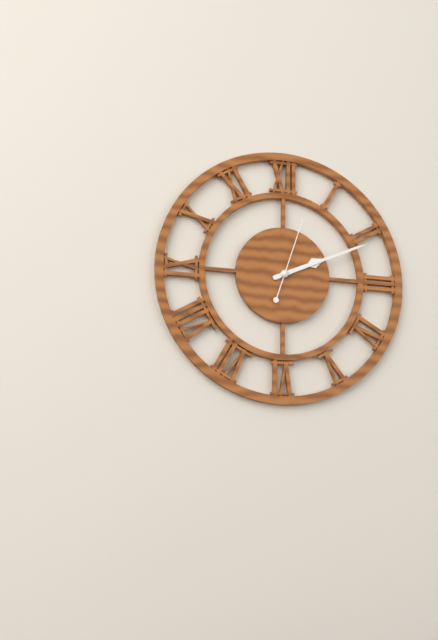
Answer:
{"hour": 2, "minute": 11, "second": 3}
